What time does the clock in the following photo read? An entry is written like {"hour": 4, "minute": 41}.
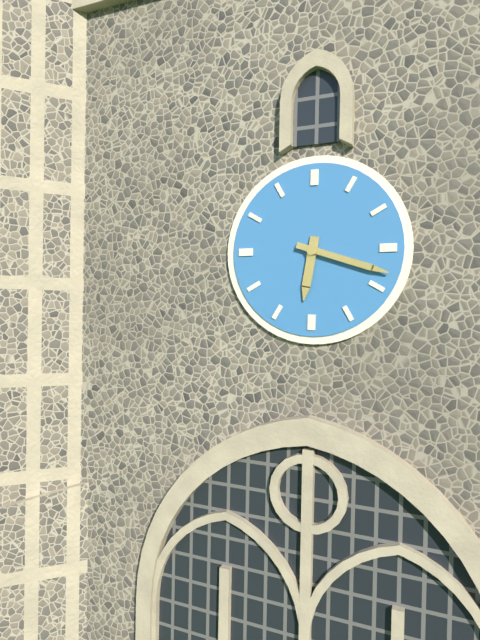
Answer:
{"hour": 6, "minute": 18}
